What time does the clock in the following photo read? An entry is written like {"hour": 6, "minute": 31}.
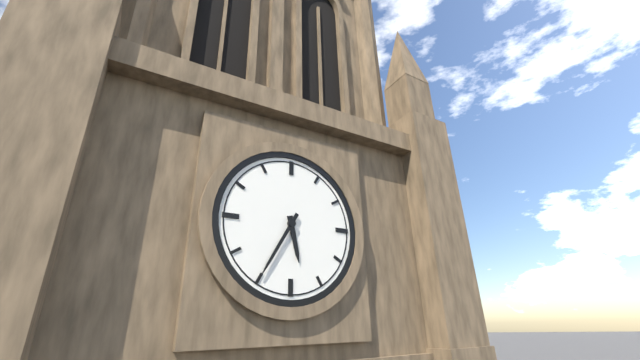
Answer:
{"hour": 5, "minute": 35}
